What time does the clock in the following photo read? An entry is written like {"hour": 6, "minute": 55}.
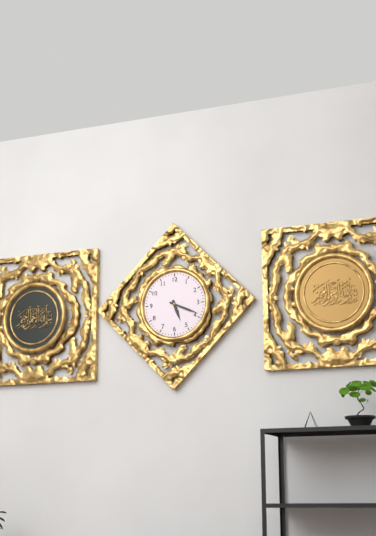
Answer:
{"hour": 5, "minute": 19}
